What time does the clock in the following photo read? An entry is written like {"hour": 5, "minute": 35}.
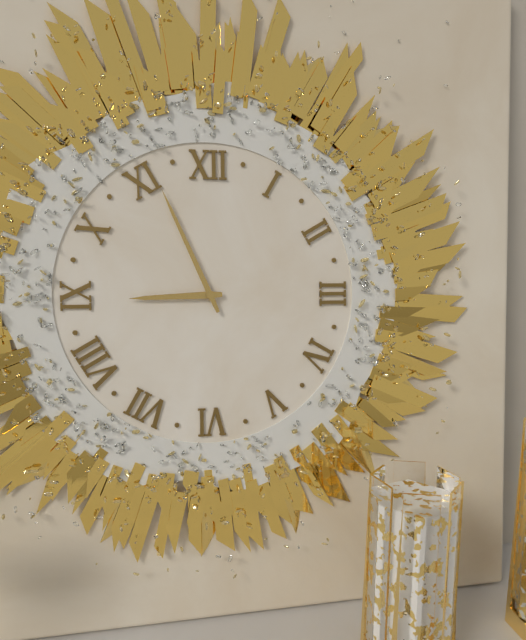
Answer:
{"hour": 8, "minute": 56}
